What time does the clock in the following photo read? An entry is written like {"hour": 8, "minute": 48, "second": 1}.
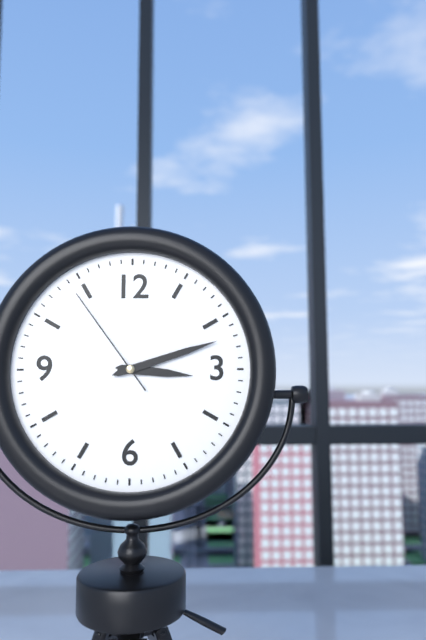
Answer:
{"hour": 3, "minute": 12, "second": 54}
